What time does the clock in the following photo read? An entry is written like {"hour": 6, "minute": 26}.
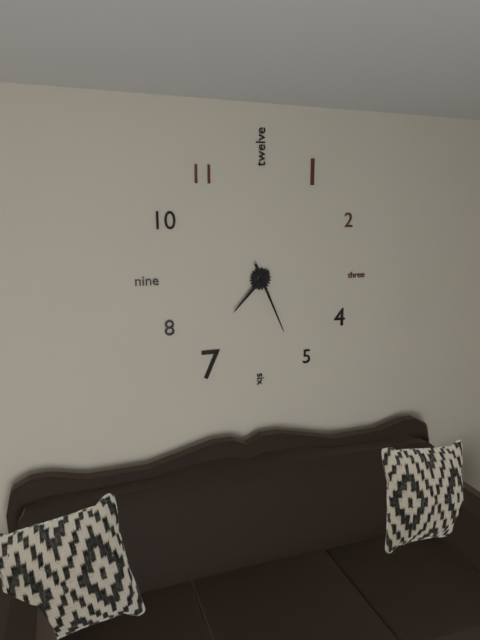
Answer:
{"hour": 7, "minute": 26}
